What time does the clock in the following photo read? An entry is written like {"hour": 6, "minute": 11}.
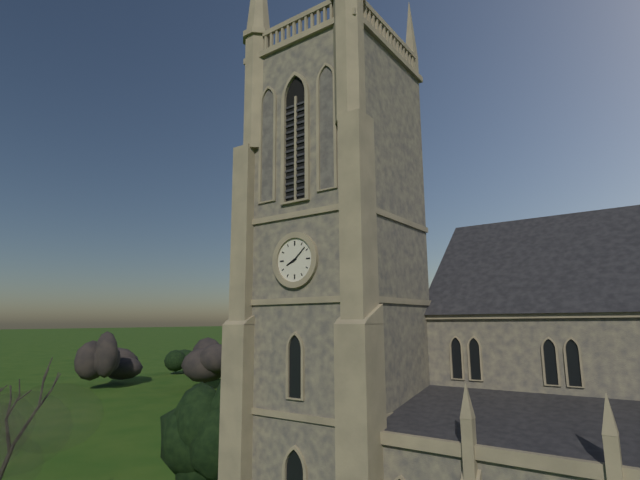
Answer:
{"hour": 8, "minute": 8}
